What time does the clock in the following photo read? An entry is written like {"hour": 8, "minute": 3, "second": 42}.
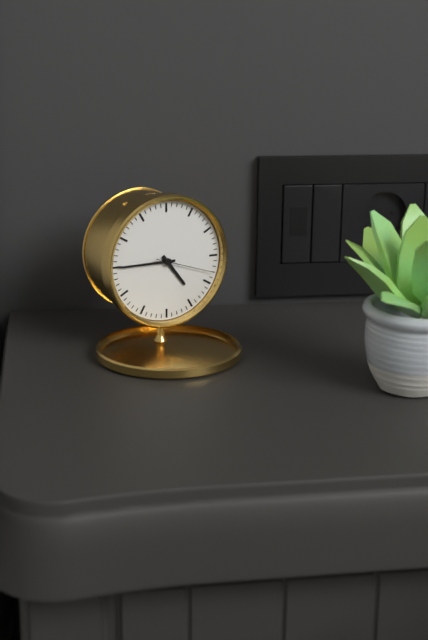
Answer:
{"hour": 4, "minute": 45, "second": 18}
